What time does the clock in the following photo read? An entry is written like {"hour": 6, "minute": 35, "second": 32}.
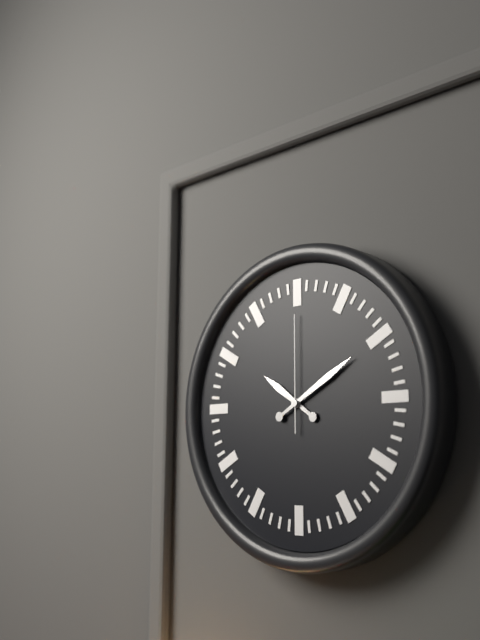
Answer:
{"hour": 10, "minute": 10, "second": 0}
